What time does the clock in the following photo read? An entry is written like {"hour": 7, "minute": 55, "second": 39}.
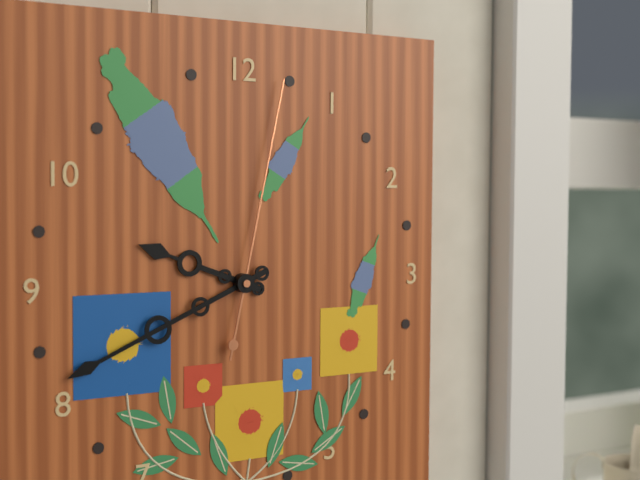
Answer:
{"hour": 9, "minute": 41, "second": 2}
